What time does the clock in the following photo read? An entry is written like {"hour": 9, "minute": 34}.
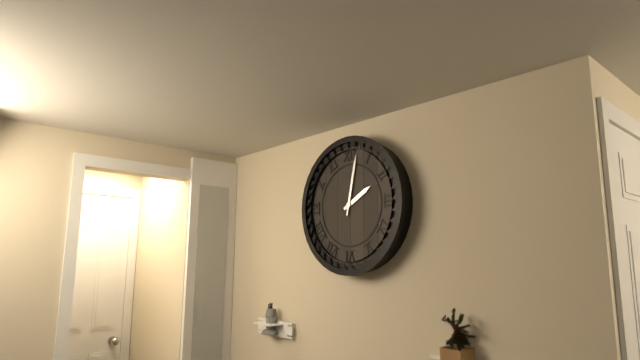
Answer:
{"hour": 2, "minute": 2}
